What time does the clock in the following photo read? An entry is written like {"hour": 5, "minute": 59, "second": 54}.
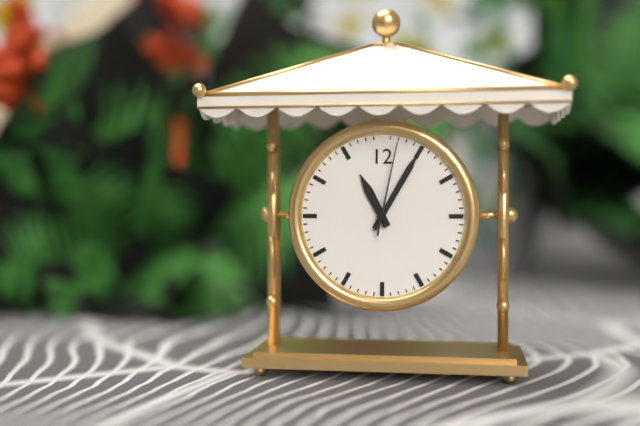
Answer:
{"hour": 11, "minute": 5, "second": 2}
